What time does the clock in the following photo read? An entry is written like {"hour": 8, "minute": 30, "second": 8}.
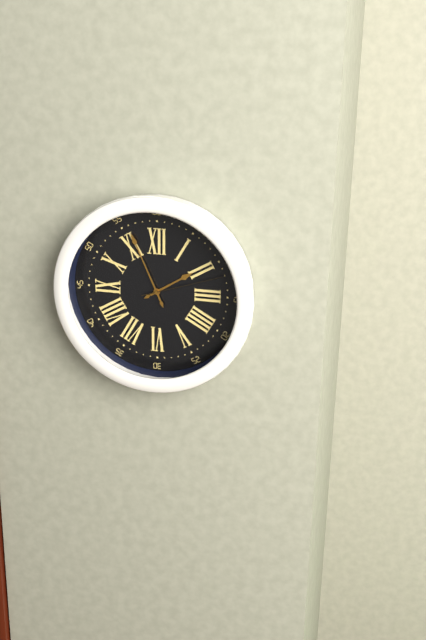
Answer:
{"hour": 1, "minute": 56, "second": 12}
